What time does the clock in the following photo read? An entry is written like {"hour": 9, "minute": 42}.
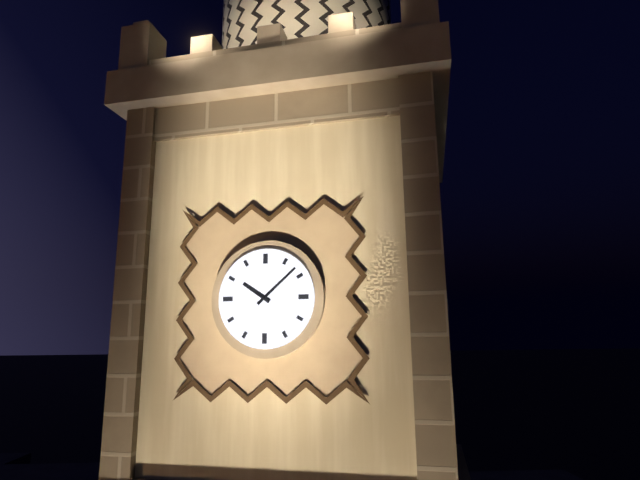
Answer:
{"hour": 10, "minute": 8}
